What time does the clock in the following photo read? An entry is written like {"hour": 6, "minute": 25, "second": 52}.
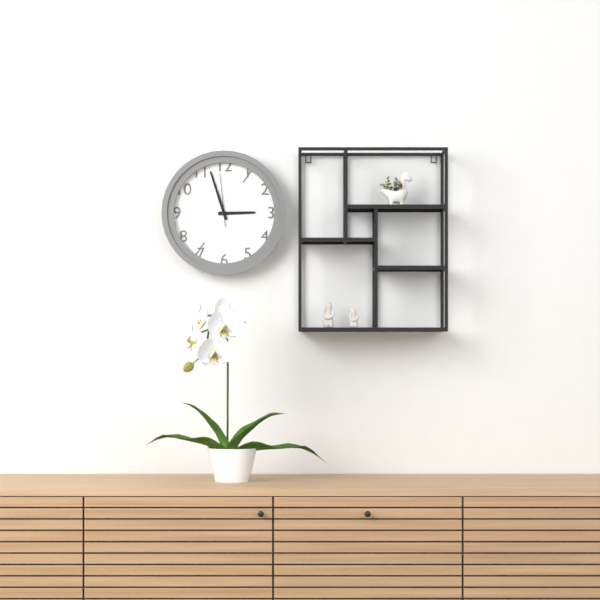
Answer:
{"hour": 2, "minute": 57, "second": 59}
